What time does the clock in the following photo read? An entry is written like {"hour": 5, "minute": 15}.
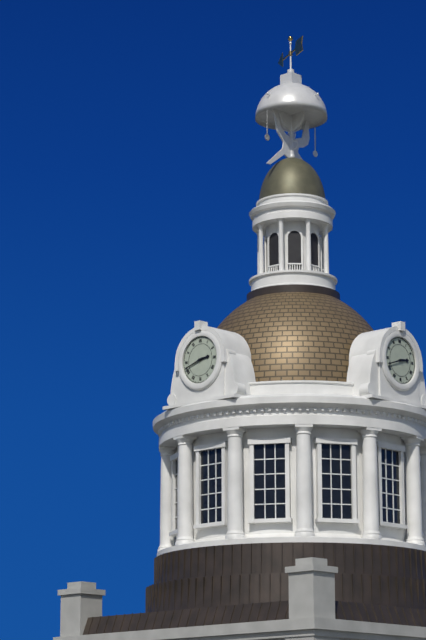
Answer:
{"hour": 2, "minute": 42}
